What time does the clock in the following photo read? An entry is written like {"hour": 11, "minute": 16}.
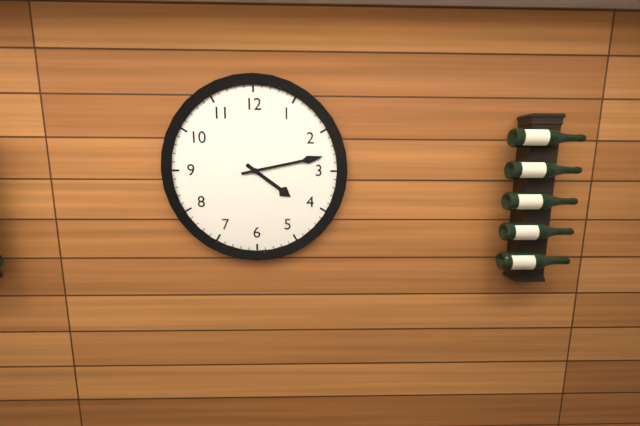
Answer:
{"hour": 4, "minute": 13}
